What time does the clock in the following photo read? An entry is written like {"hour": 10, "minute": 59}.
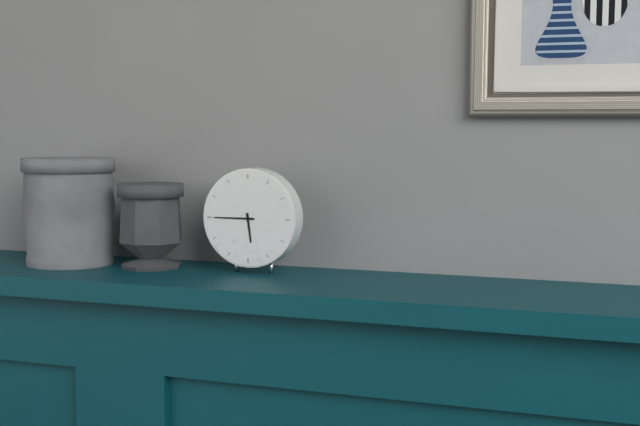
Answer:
{"hour": 5, "minute": 45}
